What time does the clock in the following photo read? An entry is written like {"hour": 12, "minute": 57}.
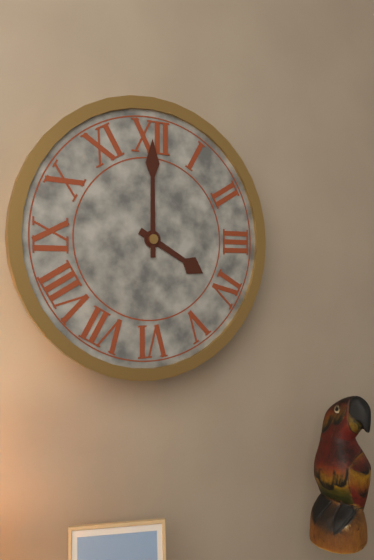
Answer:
{"hour": 4, "minute": 0}
